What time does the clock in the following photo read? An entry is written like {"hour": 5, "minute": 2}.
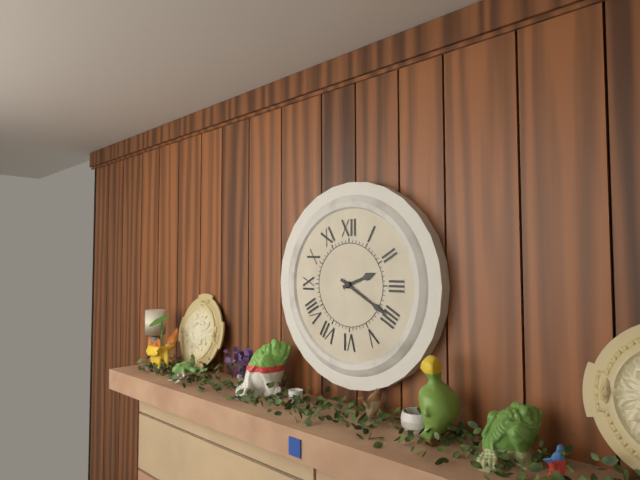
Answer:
{"hour": 2, "minute": 20}
